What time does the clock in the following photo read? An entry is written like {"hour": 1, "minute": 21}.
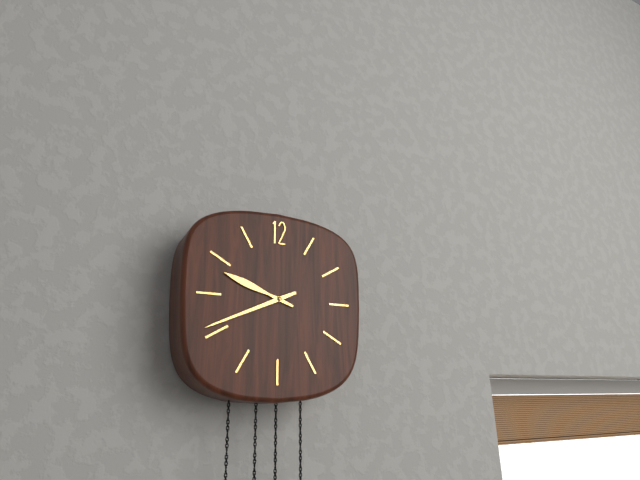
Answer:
{"hour": 9, "minute": 41}
